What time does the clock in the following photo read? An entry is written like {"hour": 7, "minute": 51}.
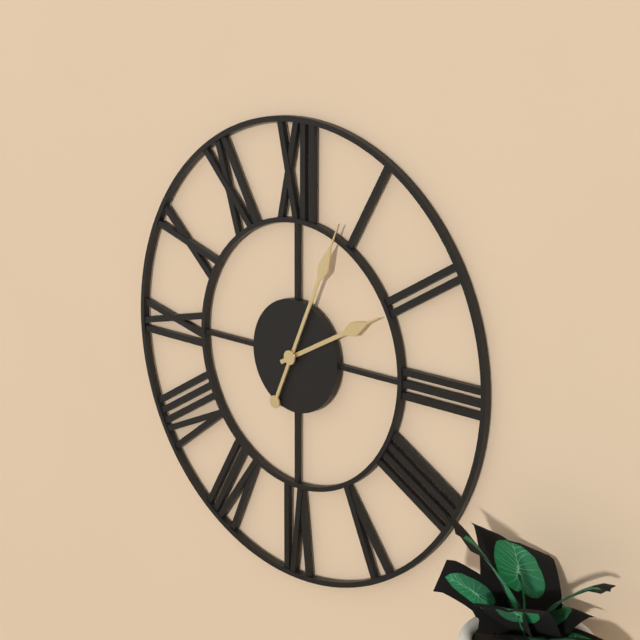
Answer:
{"hour": 2, "minute": 4}
